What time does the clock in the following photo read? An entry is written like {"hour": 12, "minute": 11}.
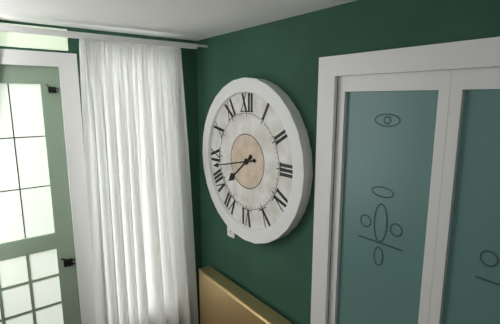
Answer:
{"hour": 7, "minute": 43}
